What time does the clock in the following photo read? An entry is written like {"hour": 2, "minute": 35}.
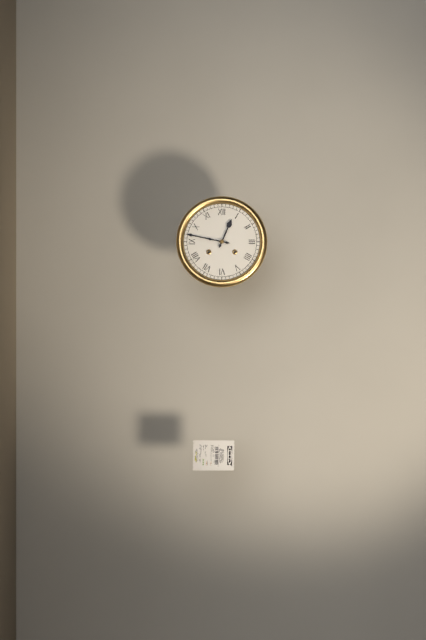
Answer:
{"hour": 12, "minute": 47}
